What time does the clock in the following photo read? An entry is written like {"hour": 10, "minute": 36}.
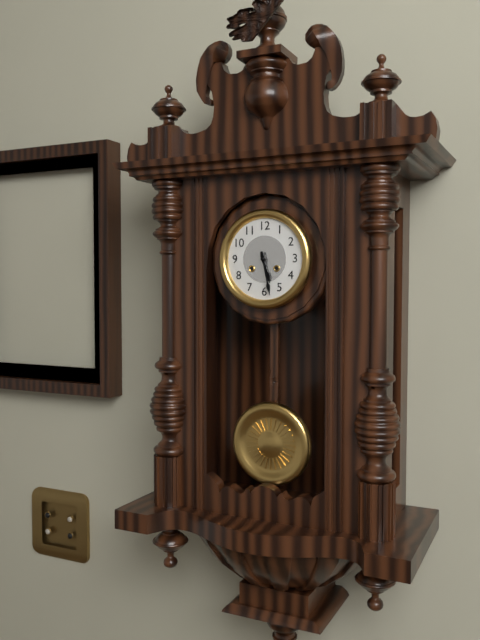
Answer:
{"hour": 5, "minute": 28}
